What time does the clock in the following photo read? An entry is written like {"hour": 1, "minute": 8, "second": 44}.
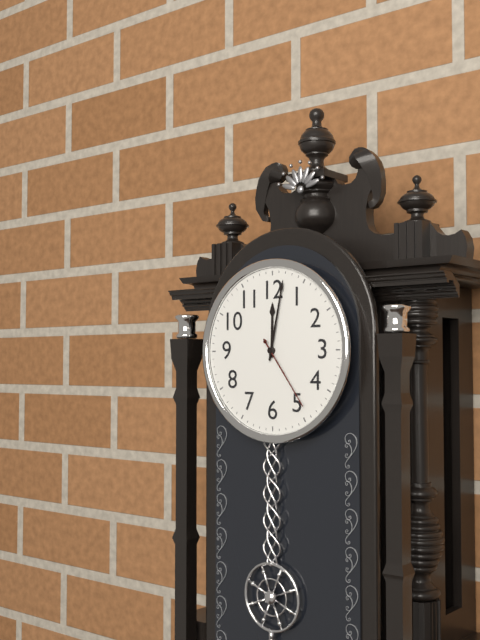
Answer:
{"hour": 12, "minute": 2, "second": 24}
